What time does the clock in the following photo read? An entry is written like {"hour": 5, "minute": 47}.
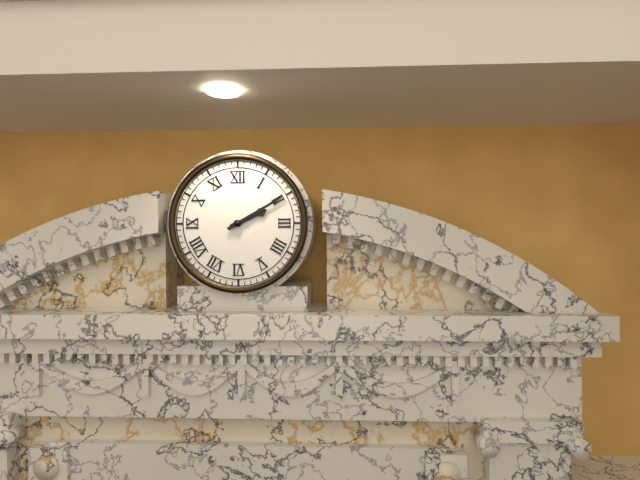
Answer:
{"hour": 2, "minute": 10}
